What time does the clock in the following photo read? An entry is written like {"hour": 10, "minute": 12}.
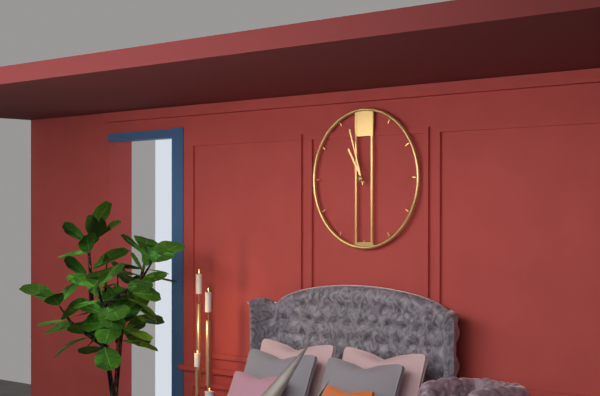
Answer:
{"hour": 10, "minute": 57}
